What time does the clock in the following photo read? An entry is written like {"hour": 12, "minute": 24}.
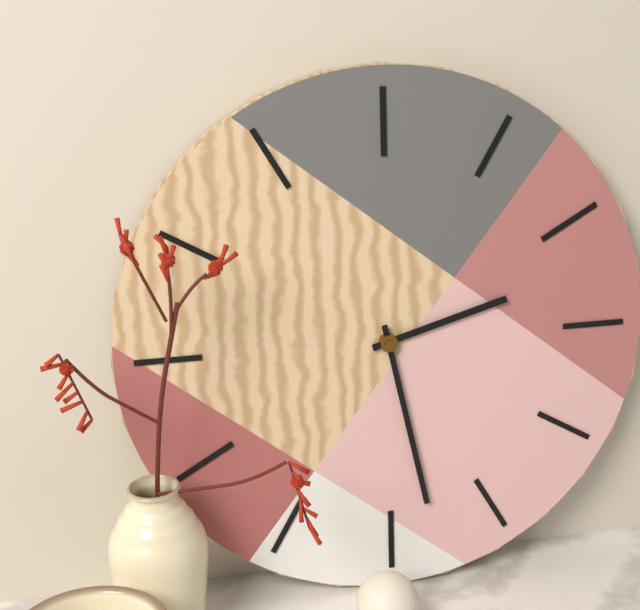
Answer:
{"hour": 2, "minute": 28}
